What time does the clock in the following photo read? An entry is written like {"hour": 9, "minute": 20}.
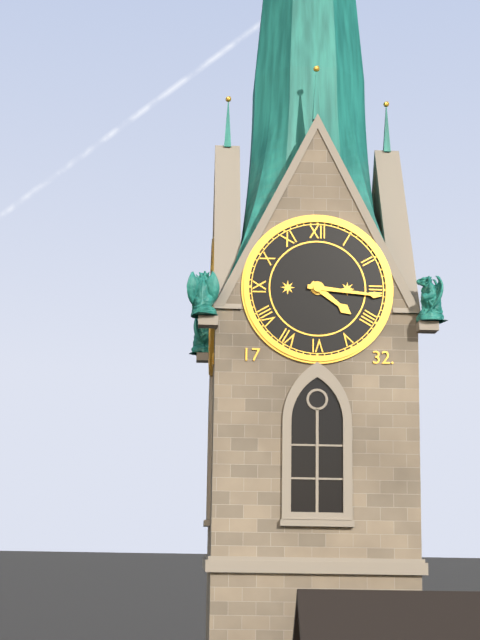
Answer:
{"hour": 4, "minute": 16}
